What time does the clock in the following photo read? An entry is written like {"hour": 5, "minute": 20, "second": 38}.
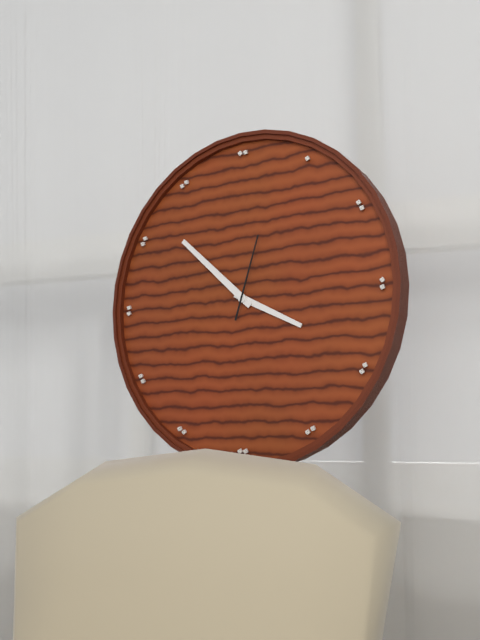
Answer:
{"hour": 3, "minute": 52, "second": 3}
